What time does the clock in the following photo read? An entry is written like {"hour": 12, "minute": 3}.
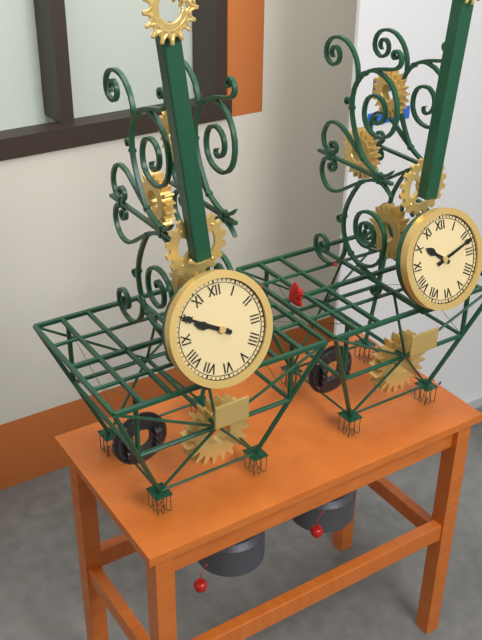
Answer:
{"hour": 9, "minute": 50}
